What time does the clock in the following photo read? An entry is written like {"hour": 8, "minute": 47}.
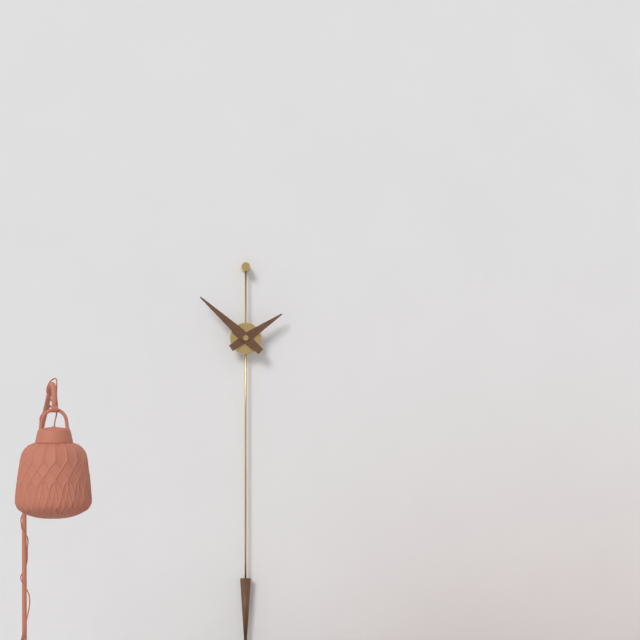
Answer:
{"hour": 1, "minute": 52}
